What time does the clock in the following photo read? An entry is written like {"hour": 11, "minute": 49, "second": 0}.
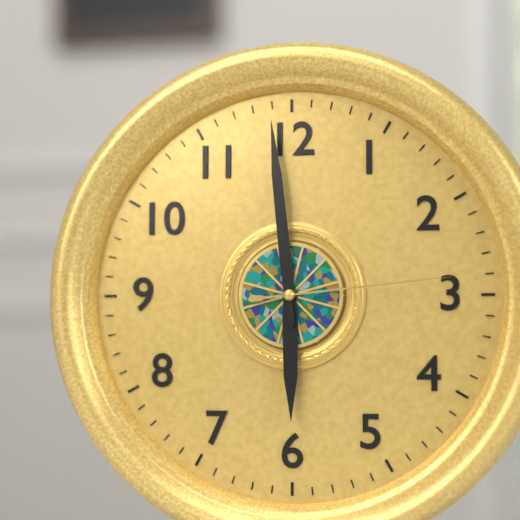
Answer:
{"hour": 5, "minute": 59, "second": 14}
